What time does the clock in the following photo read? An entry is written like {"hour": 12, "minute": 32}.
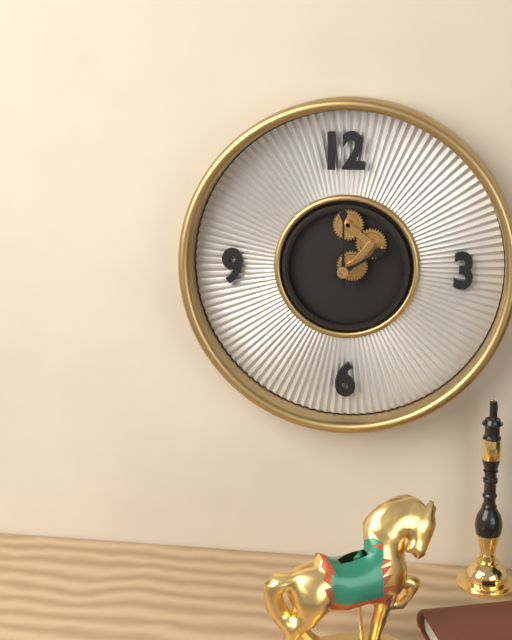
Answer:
{"hour": 2, "minute": 0}
